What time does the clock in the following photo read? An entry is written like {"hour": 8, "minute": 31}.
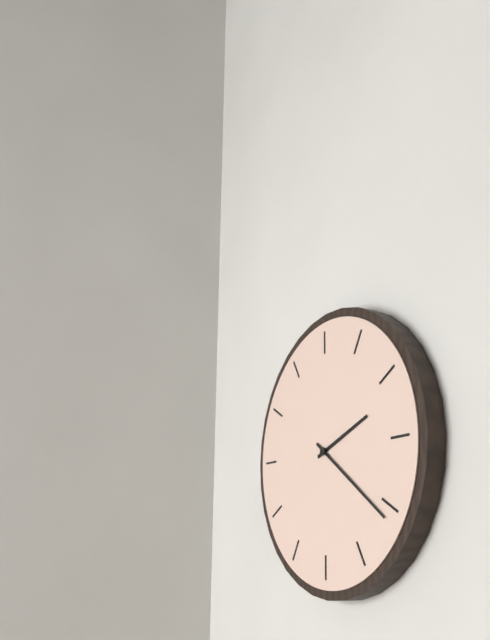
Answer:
{"hour": 2, "minute": 21}
